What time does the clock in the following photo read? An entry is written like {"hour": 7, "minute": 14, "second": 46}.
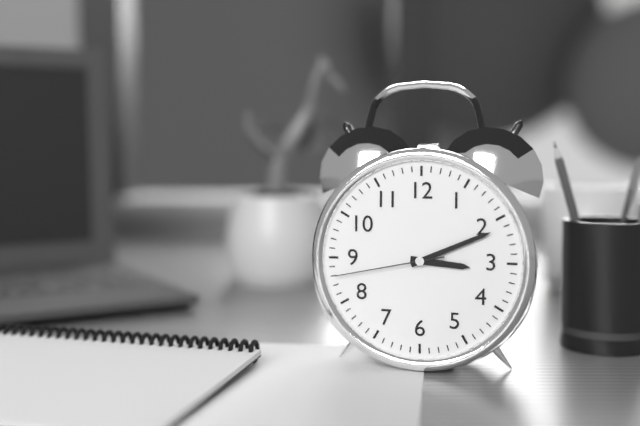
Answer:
{"hour": 3, "minute": 11, "second": 43}
